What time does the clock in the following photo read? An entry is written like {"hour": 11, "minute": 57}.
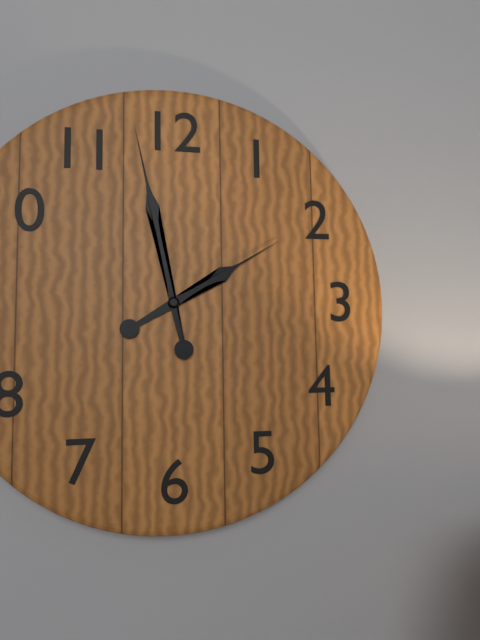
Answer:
{"hour": 1, "minute": 58}
